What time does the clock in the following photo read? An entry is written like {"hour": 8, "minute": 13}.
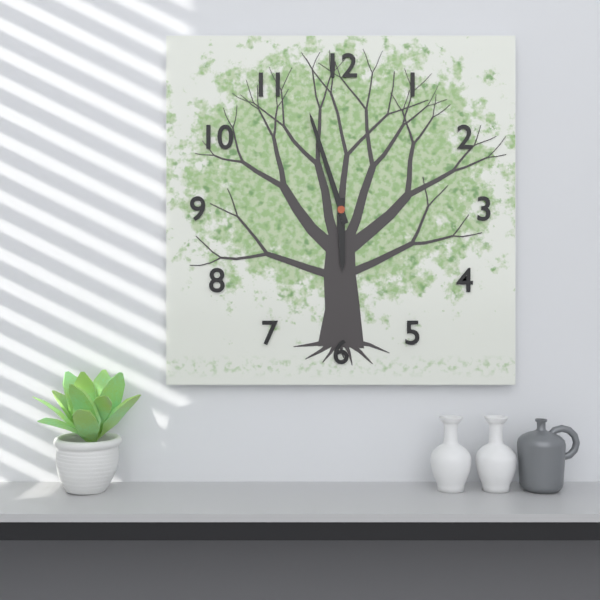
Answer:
{"hour": 5, "minute": 57}
